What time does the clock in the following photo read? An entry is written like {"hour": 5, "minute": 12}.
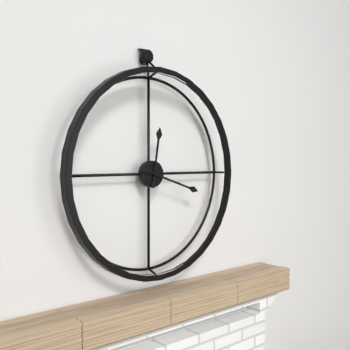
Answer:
{"hour": 12, "minute": 18}
